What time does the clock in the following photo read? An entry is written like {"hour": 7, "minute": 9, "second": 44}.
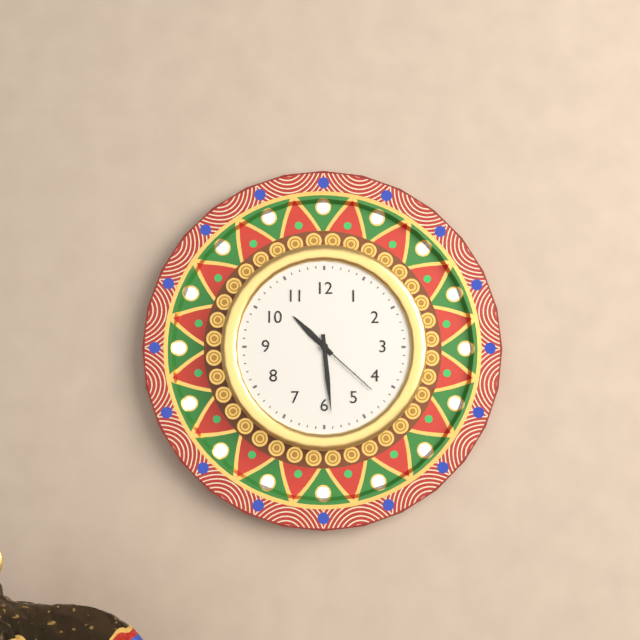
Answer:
{"hour": 10, "minute": 29, "second": 22}
